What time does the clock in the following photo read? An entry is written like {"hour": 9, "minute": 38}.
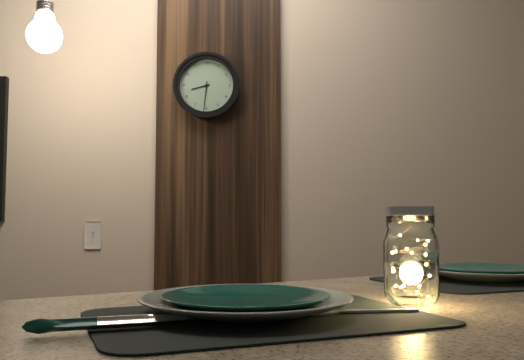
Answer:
{"hour": 8, "minute": 31}
